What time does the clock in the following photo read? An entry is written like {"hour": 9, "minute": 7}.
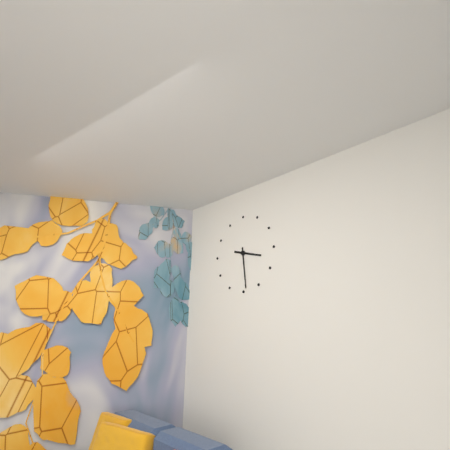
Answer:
{"hour": 3, "minute": 29}
